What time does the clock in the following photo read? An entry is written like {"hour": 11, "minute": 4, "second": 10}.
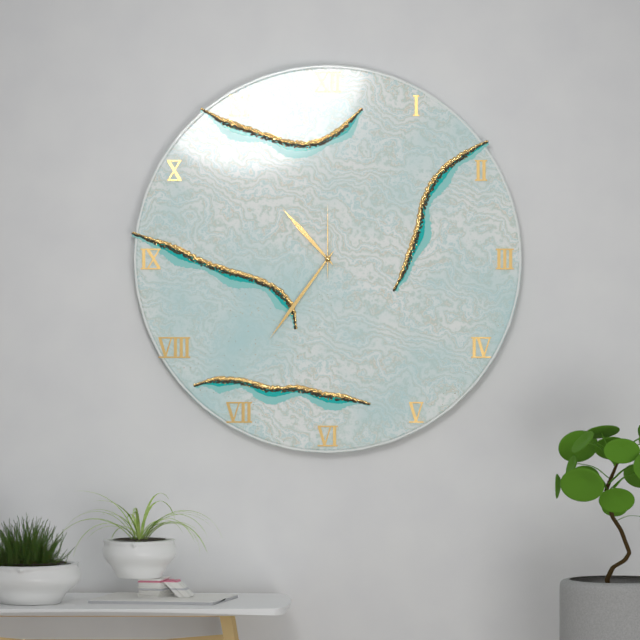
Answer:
{"hour": 10, "minute": 36, "second": 0}
